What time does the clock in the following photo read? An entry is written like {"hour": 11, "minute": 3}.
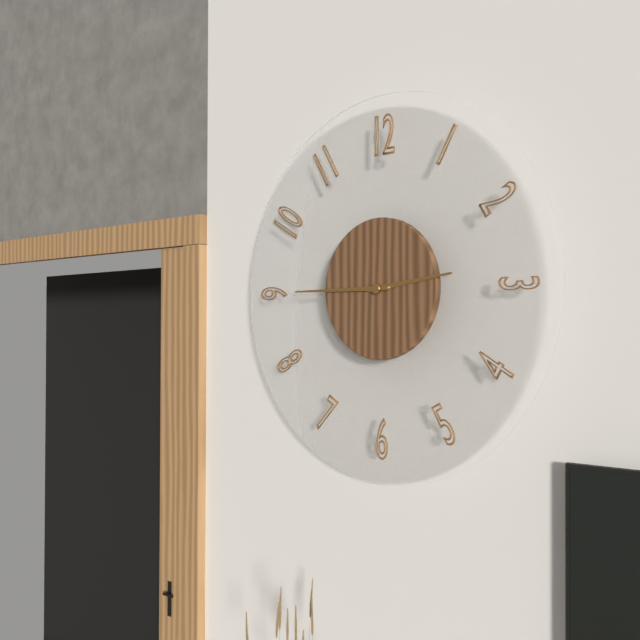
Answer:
{"hour": 2, "minute": 45}
